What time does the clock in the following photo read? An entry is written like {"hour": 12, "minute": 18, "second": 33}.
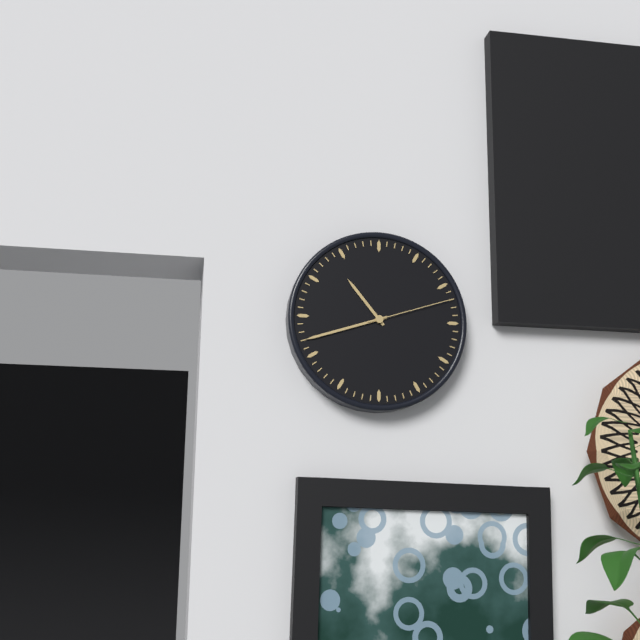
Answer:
{"hour": 10, "minute": 42, "second": 12}
